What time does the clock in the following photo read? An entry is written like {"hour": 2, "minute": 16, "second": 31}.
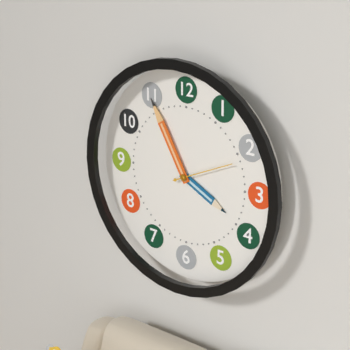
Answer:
{"hour": 3, "minute": 55, "second": 11}
